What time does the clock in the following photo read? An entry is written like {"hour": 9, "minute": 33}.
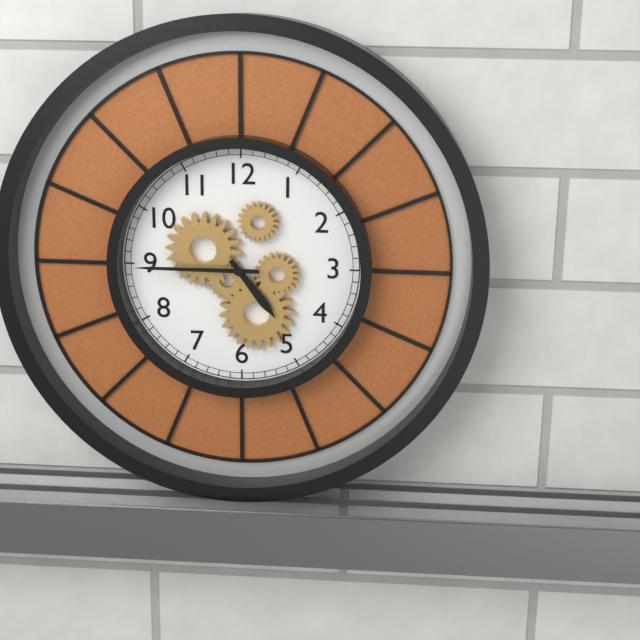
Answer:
{"hour": 4, "minute": 45}
